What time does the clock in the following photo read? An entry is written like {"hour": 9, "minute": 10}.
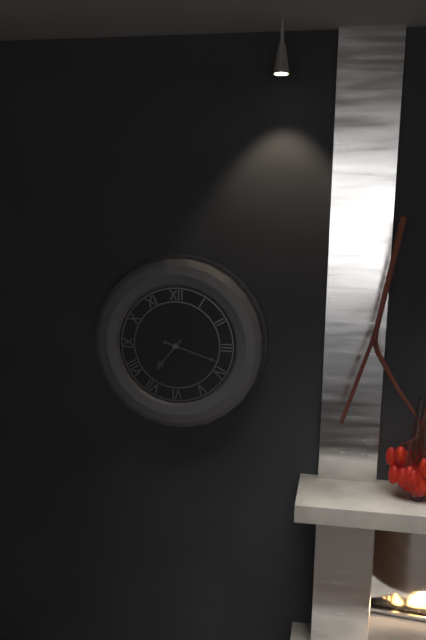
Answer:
{"hour": 7, "minute": 18}
